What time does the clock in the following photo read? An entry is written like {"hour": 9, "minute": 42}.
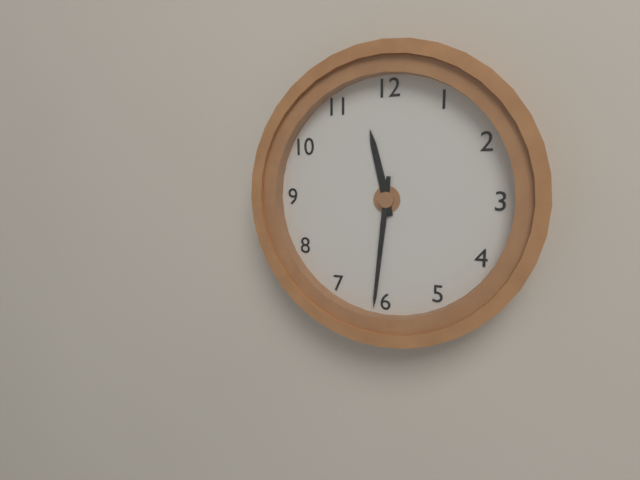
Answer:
{"hour": 11, "minute": 31}
